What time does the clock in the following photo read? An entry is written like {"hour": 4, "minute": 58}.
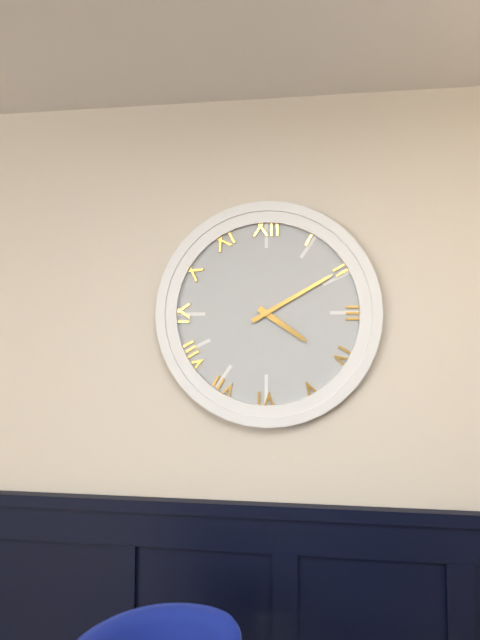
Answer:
{"hour": 4, "minute": 10}
